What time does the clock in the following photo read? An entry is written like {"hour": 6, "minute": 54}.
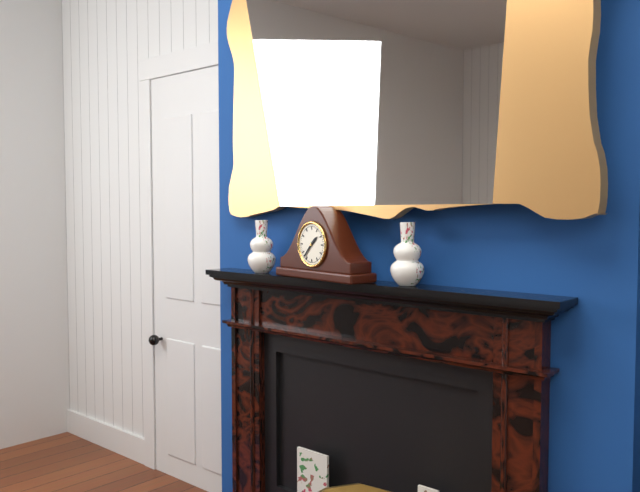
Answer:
{"hour": 1, "minute": 37}
